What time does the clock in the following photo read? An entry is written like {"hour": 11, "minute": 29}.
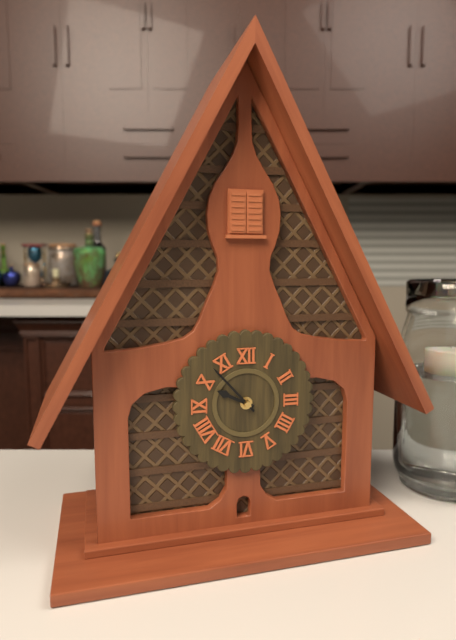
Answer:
{"hour": 9, "minute": 53}
